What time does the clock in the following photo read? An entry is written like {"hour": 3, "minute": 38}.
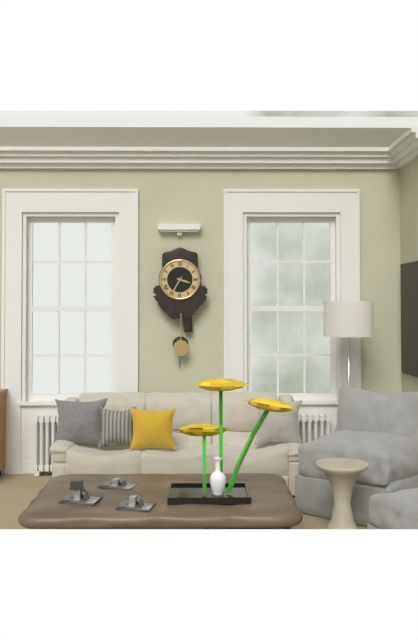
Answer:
{"hour": 3, "minute": 35}
